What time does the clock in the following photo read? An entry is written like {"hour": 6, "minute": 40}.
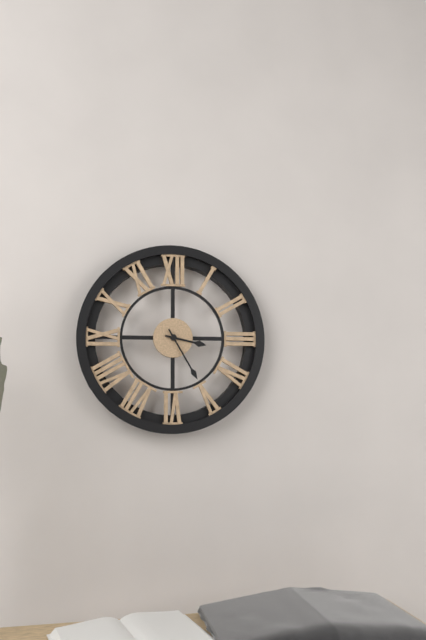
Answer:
{"hour": 3, "minute": 25}
